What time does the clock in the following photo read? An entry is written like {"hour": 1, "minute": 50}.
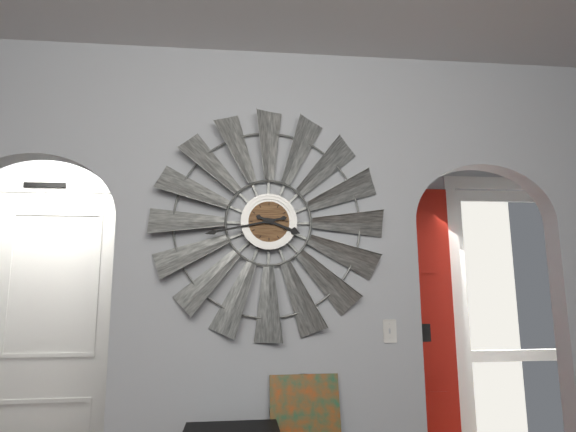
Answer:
{"hour": 3, "minute": 43}
